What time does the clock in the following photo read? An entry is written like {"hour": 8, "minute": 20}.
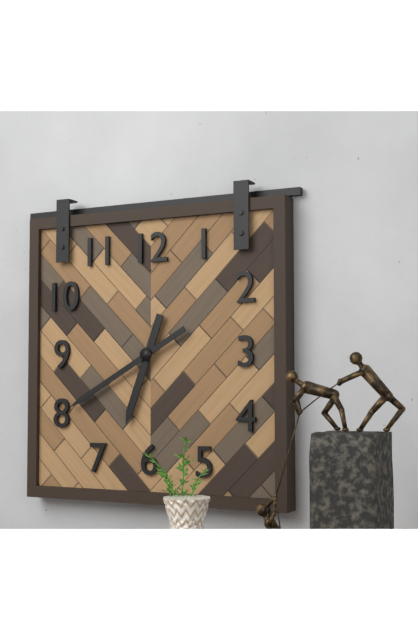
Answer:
{"hour": 6, "minute": 40}
